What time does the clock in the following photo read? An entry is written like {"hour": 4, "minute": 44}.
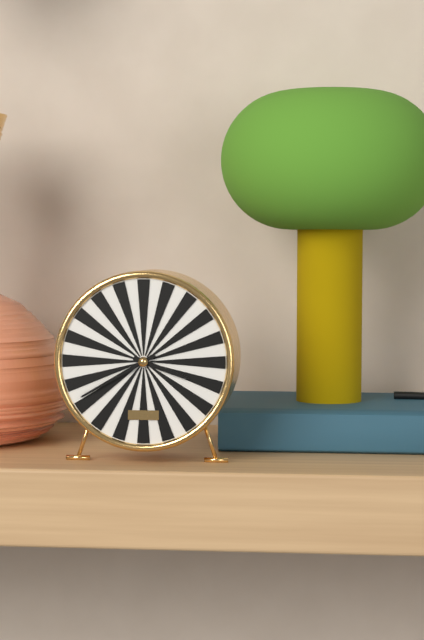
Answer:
{"hour": 3, "minute": 40}
